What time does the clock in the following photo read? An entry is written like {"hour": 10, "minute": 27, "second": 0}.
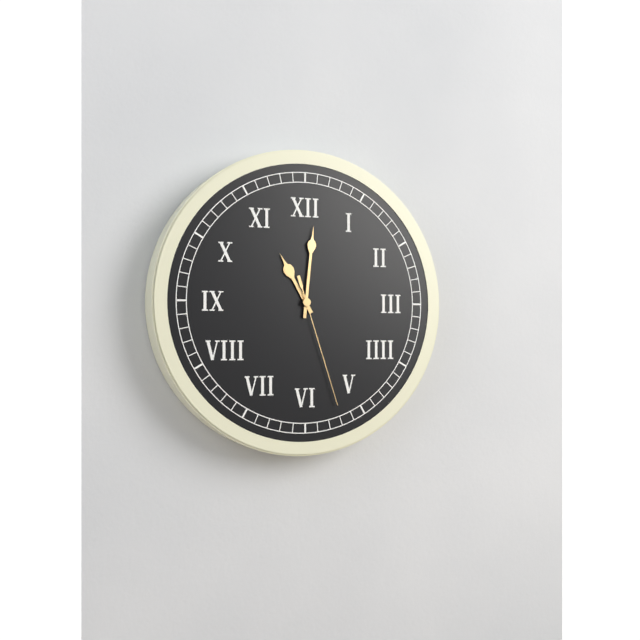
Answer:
{"hour": 11, "minute": 1, "second": 27}
